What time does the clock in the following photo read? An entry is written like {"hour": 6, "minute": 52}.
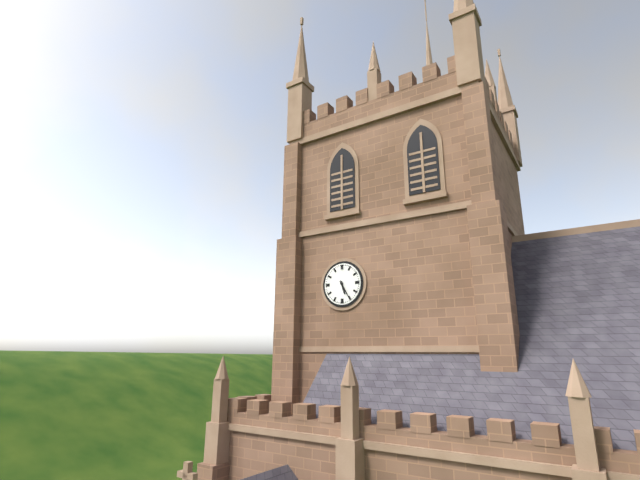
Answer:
{"hour": 5, "minute": 25}
